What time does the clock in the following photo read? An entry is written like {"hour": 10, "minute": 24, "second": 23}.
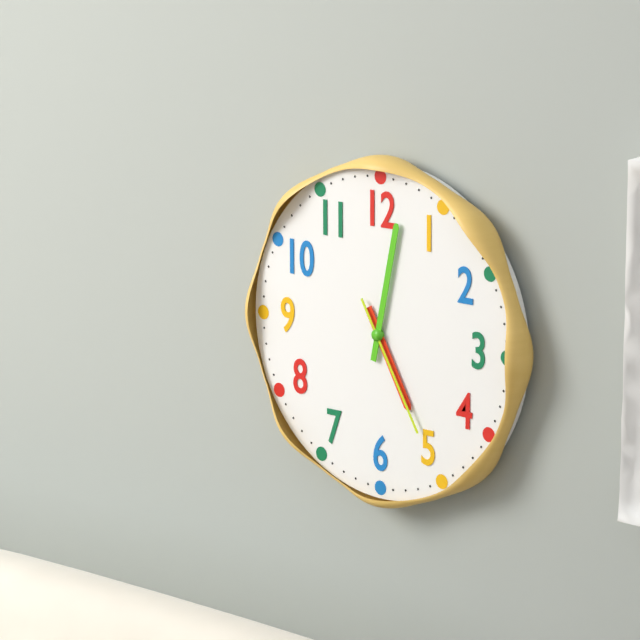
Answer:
{"hour": 5, "minute": 2, "second": 25}
